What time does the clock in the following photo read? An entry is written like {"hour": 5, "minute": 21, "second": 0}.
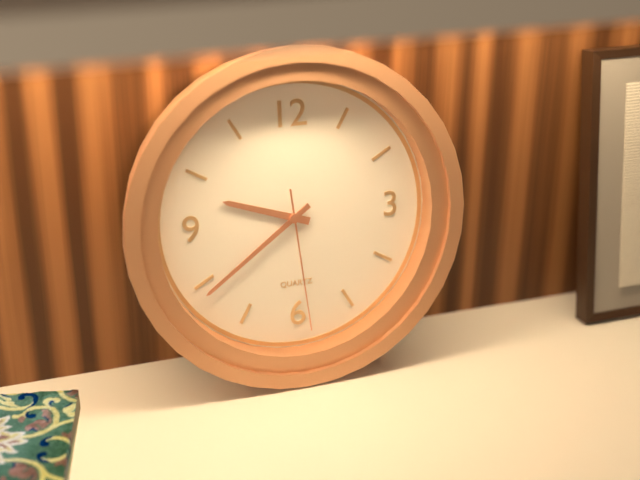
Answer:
{"hour": 9, "minute": 39, "second": 29}
